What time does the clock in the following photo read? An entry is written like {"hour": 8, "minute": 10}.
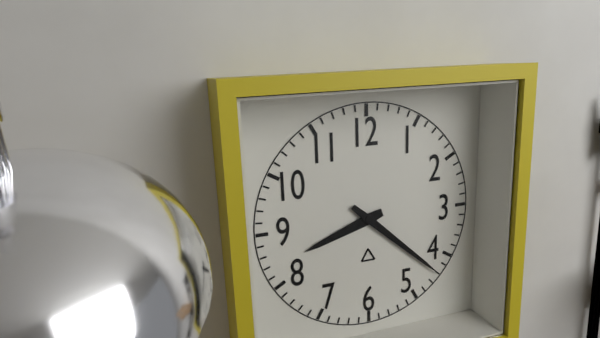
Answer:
{"hour": 8, "minute": 22}
